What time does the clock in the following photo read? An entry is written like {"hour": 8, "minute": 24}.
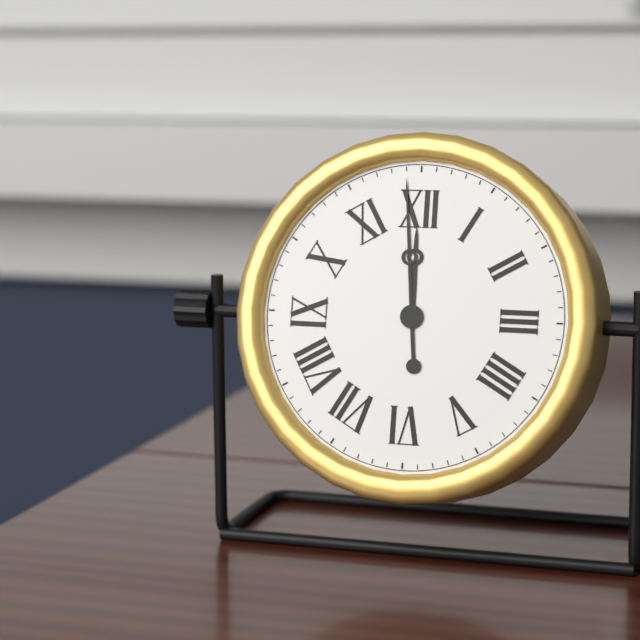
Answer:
{"hour": 11, "minute": 59}
